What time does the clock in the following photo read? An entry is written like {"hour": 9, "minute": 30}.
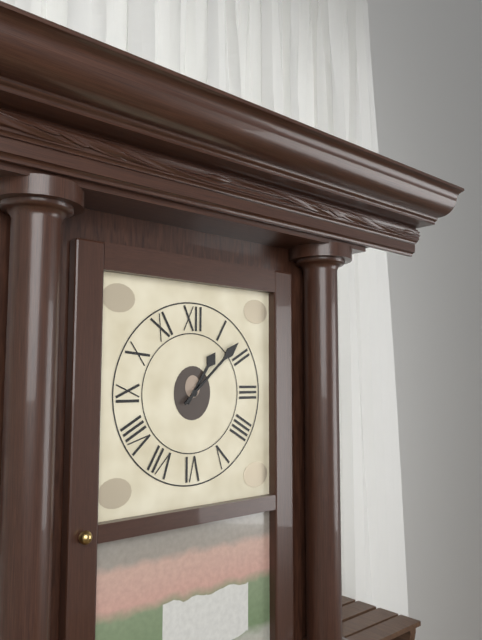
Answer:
{"hour": 1, "minute": 8}
